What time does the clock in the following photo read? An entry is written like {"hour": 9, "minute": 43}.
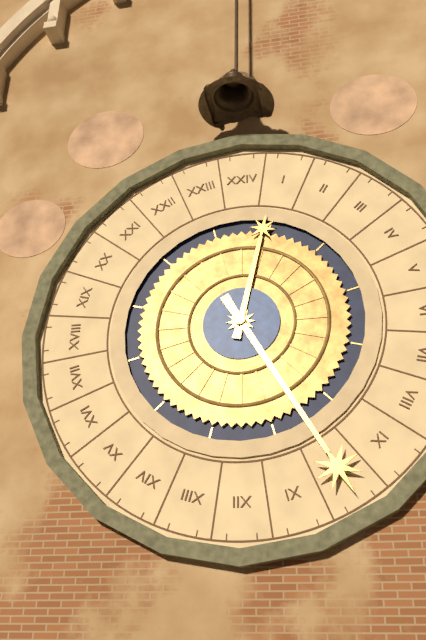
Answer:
{"hour": 12, "minute": 25}
